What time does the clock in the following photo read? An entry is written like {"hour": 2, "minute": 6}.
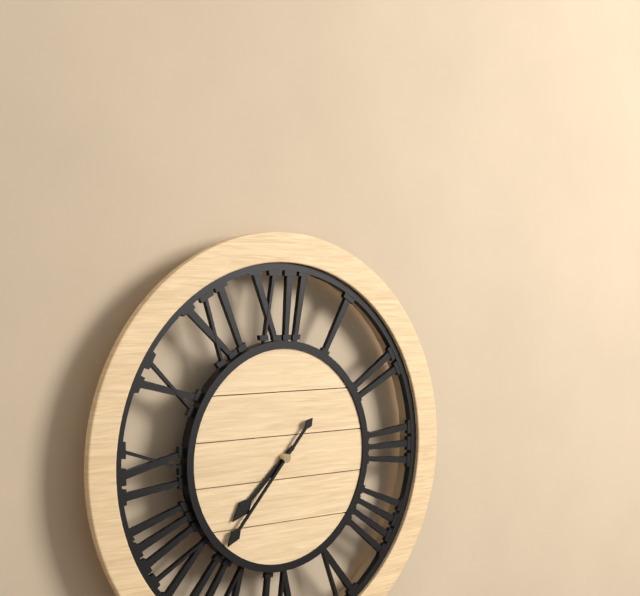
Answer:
{"hour": 7, "minute": 37}
